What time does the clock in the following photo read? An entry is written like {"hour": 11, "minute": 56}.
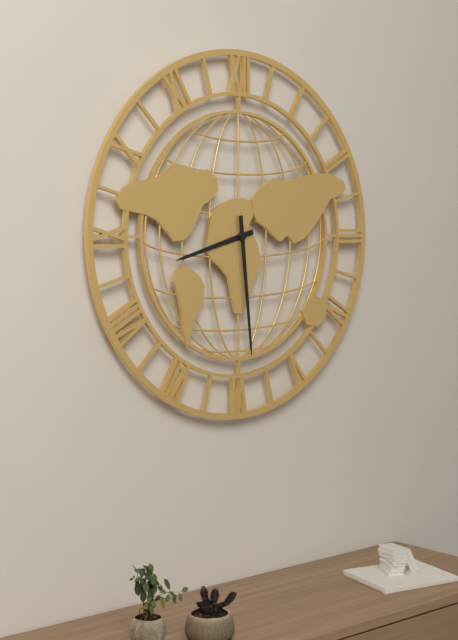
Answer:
{"hour": 8, "minute": 29}
